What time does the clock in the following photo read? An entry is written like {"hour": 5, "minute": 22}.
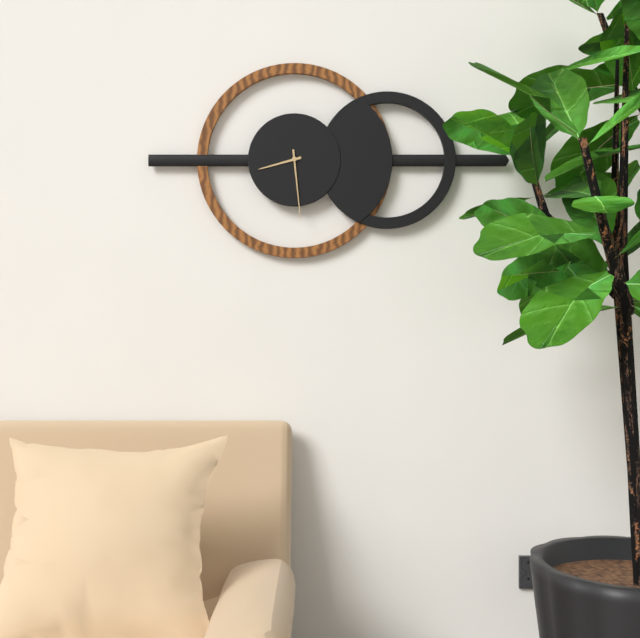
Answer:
{"hour": 8, "minute": 29}
